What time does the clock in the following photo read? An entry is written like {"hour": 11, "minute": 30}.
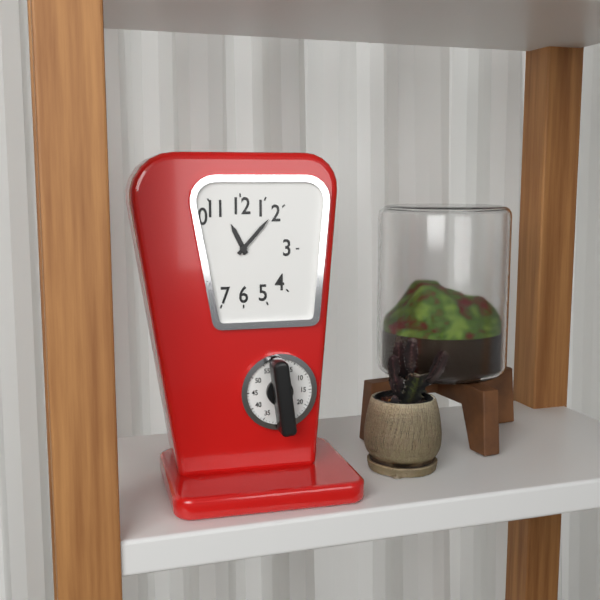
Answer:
{"hour": 11, "minute": 7}
